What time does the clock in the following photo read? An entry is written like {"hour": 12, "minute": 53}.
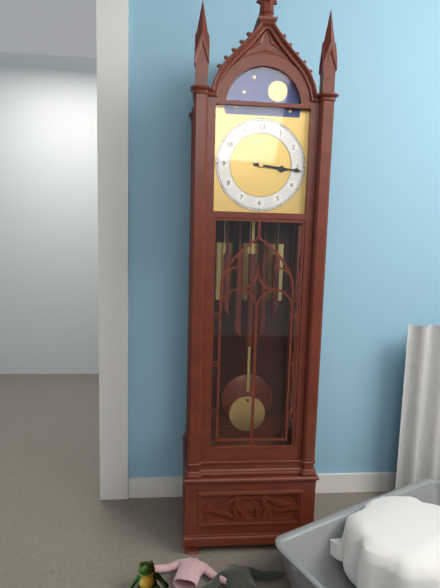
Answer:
{"hour": 3, "minute": 16}
